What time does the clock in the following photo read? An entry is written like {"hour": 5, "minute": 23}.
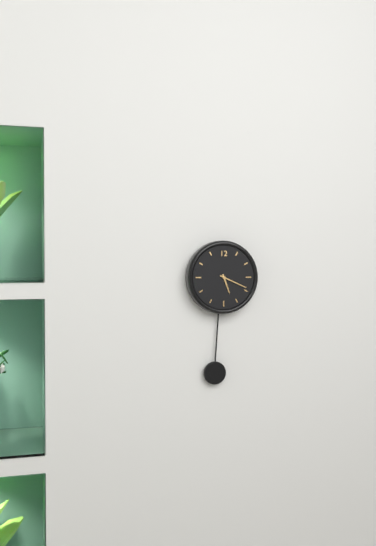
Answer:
{"hour": 5, "minute": 19}
